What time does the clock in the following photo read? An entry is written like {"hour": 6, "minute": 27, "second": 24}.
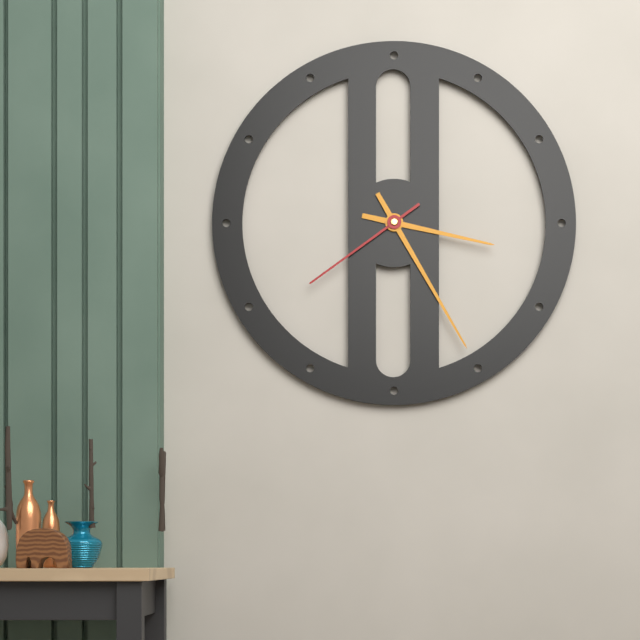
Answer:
{"hour": 3, "minute": 25, "second": 39}
